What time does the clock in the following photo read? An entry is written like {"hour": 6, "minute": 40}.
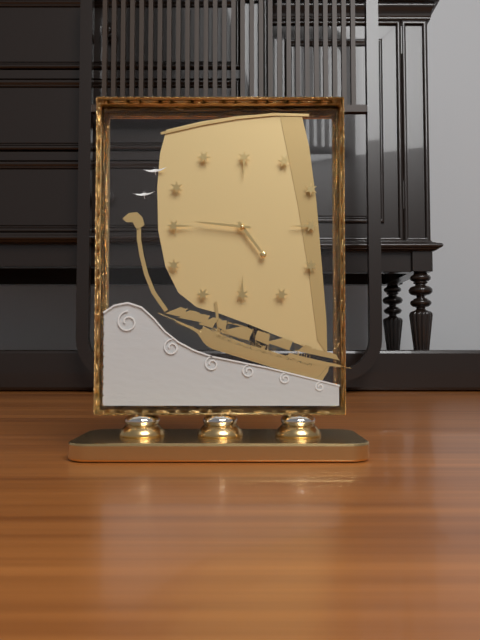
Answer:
{"hour": 4, "minute": 46}
